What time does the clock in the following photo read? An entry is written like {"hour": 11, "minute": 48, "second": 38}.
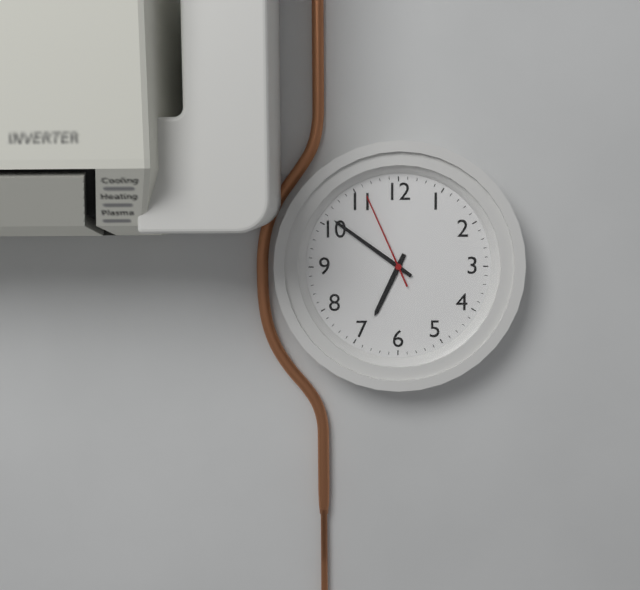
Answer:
{"hour": 6, "minute": 51, "second": 56}
